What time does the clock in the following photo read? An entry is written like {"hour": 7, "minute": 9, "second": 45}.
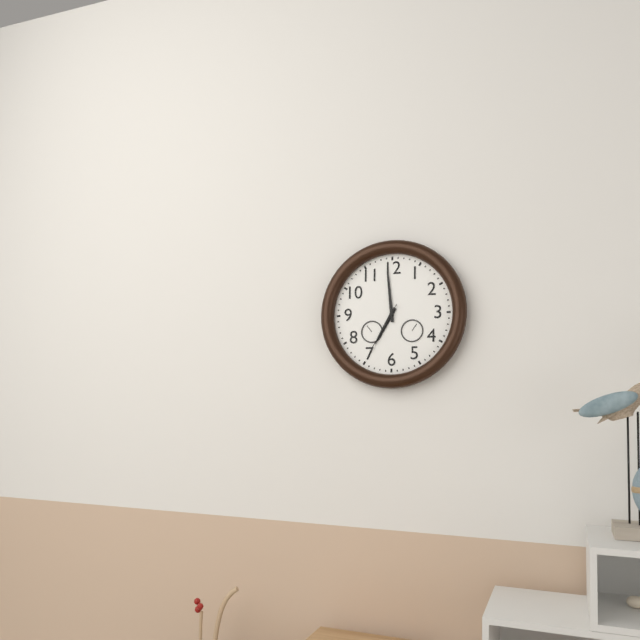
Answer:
{"hour": 6, "minute": 59, "second": 35}
